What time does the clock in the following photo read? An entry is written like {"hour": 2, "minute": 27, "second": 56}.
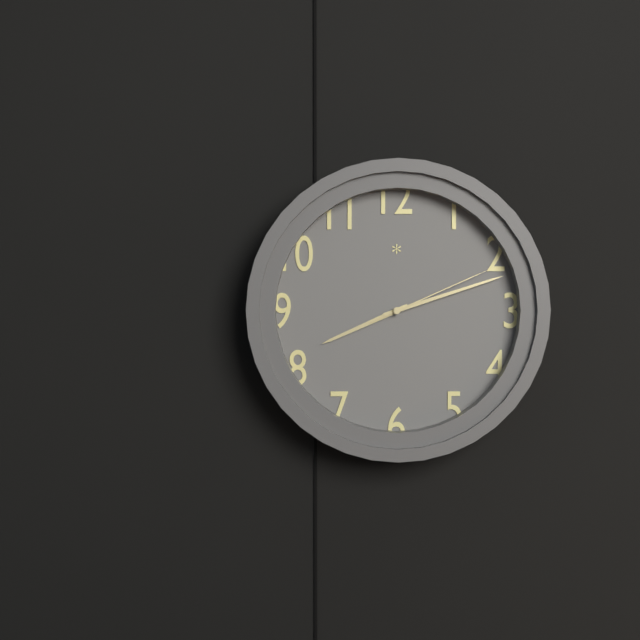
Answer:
{"hour": 8, "minute": 12, "second": 11}
